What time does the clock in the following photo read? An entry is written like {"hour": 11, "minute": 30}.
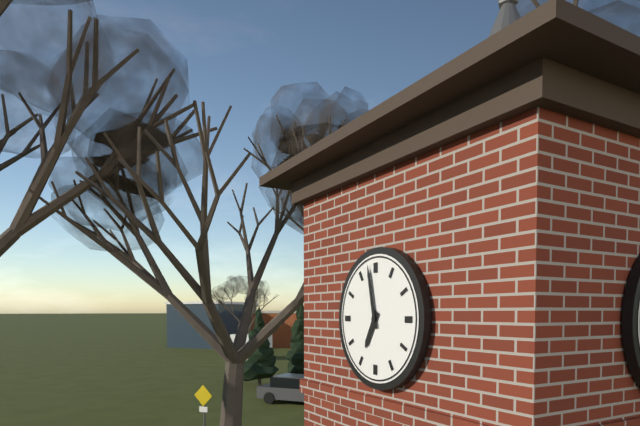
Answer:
{"hour": 6, "minute": 58}
